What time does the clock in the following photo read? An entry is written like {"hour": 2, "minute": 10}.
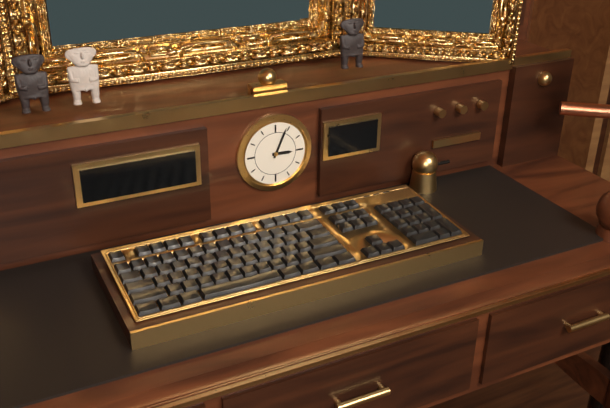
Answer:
{"hour": 3, "minute": 4}
